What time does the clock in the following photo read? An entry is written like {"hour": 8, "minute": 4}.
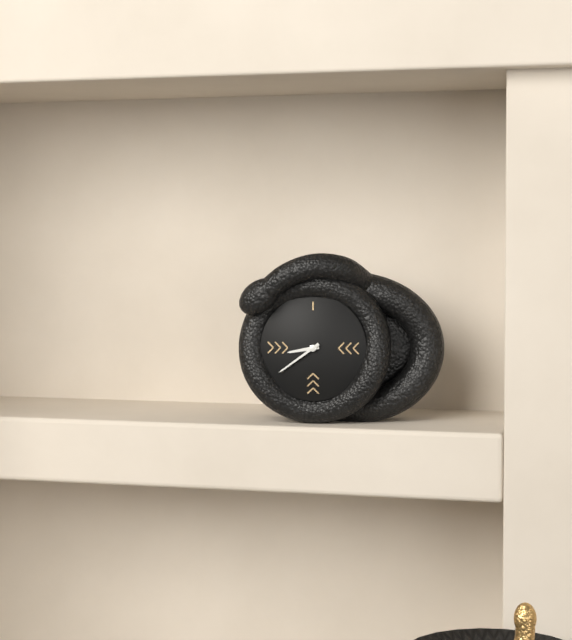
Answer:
{"hour": 8, "minute": 39}
